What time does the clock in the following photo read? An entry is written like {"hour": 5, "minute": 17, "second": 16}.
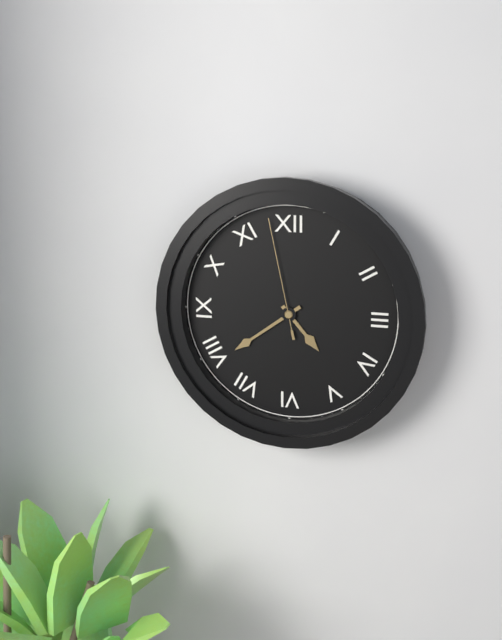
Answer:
{"hour": 4, "minute": 39, "second": 58}
